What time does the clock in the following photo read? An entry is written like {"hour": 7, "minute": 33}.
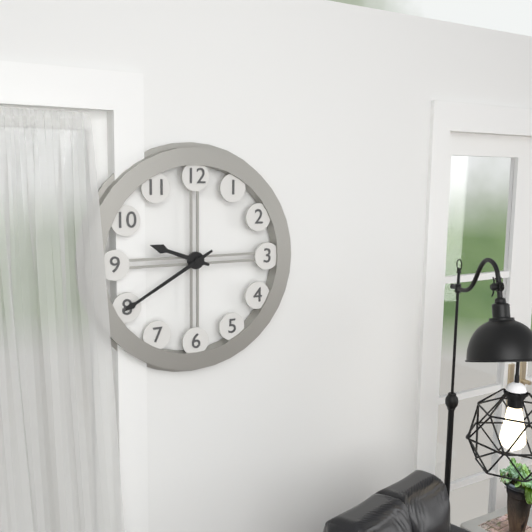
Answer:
{"hour": 9, "minute": 40}
